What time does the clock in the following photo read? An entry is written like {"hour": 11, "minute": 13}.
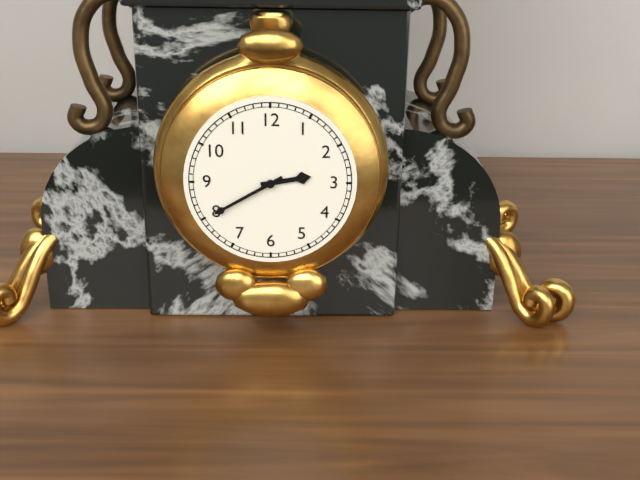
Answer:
{"hour": 2, "minute": 40}
